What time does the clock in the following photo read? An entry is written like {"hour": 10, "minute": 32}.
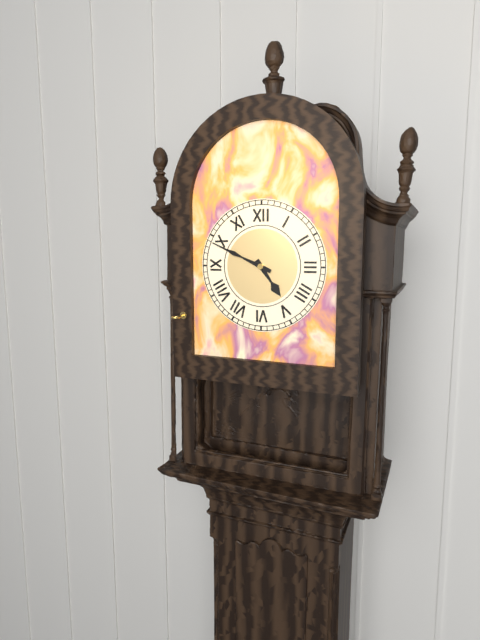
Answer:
{"hour": 4, "minute": 49}
